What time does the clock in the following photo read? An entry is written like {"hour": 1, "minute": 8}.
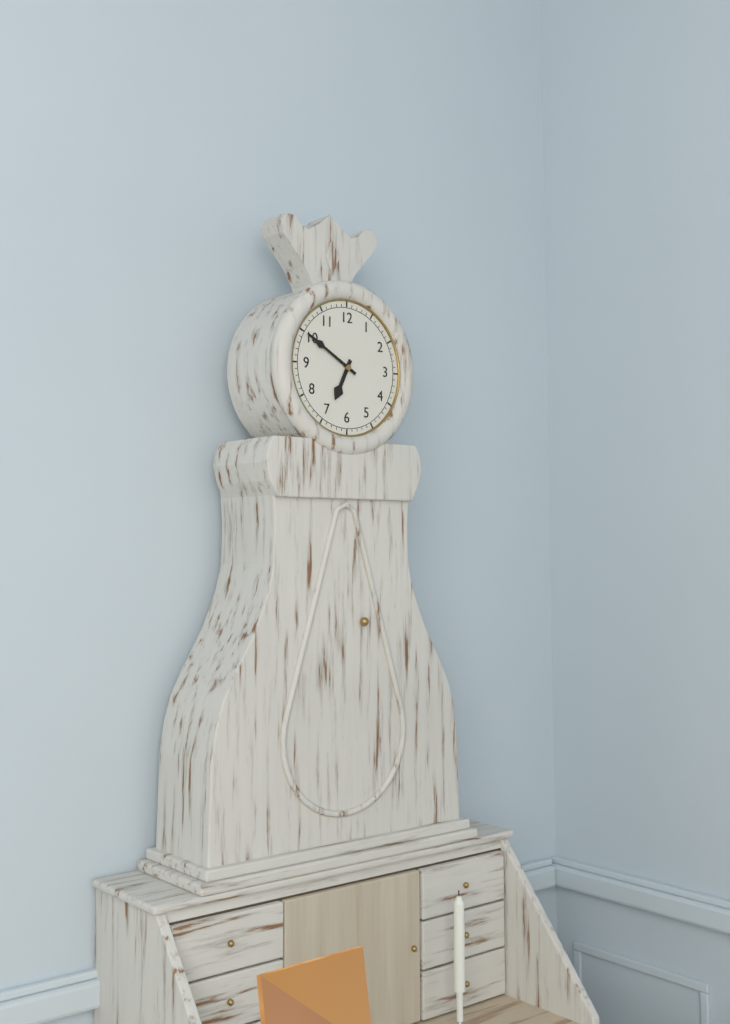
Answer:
{"hour": 6, "minute": 50}
